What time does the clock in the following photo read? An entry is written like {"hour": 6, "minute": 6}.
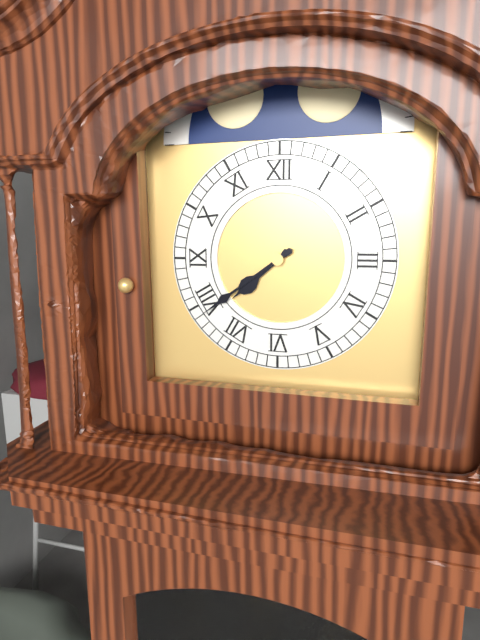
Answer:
{"hour": 7, "minute": 39}
